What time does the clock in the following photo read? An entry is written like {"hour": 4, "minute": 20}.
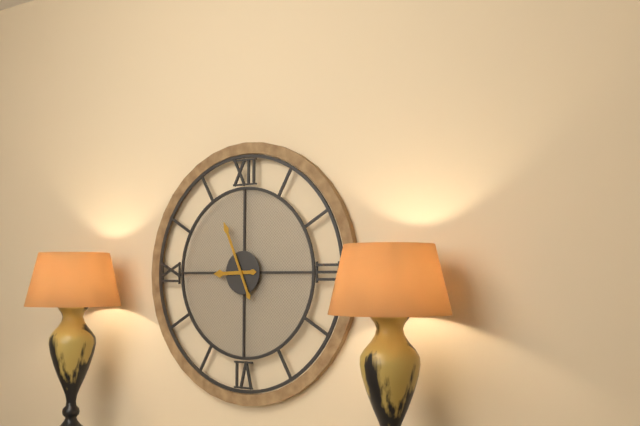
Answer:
{"hour": 8, "minute": 56}
